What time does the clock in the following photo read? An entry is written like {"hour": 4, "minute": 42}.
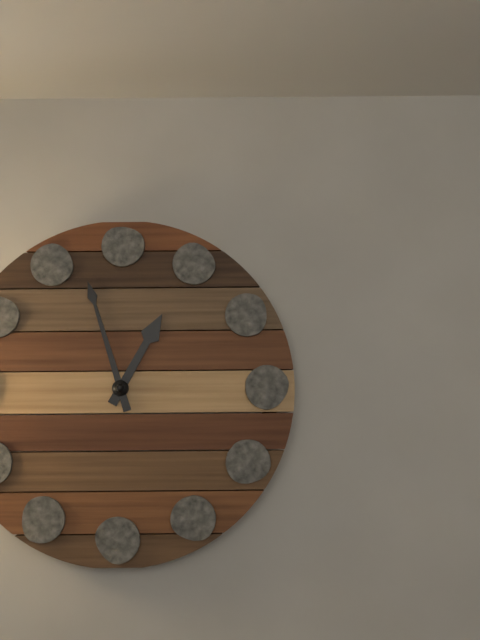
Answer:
{"hour": 12, "minute": 57}
